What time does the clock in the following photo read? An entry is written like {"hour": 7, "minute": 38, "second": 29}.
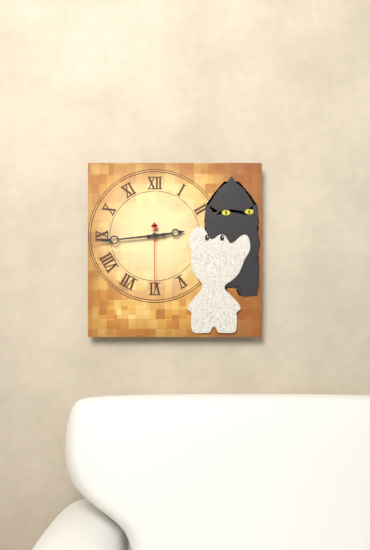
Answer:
{"hour": 2, "minute": 44, "second": 30}
